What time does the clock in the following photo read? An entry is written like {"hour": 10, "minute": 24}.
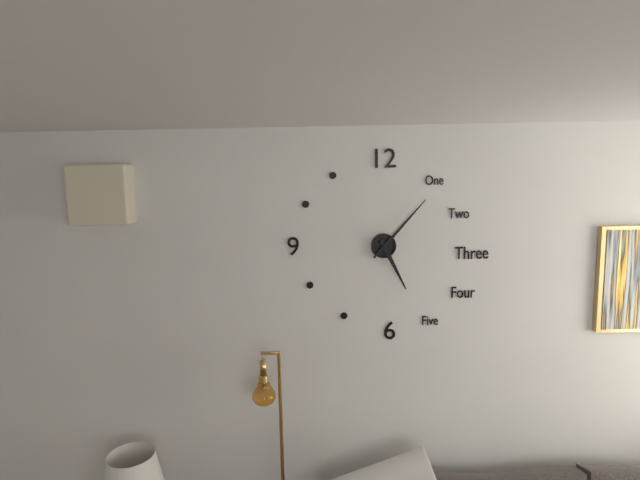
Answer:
{"hour": 5, "minute": 7}
